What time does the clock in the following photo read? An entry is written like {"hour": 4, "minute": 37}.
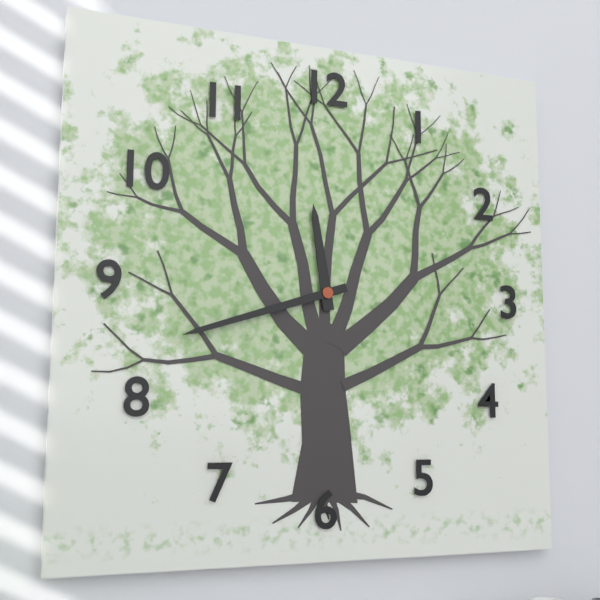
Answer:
{"hour": 11, "minute": 42}
